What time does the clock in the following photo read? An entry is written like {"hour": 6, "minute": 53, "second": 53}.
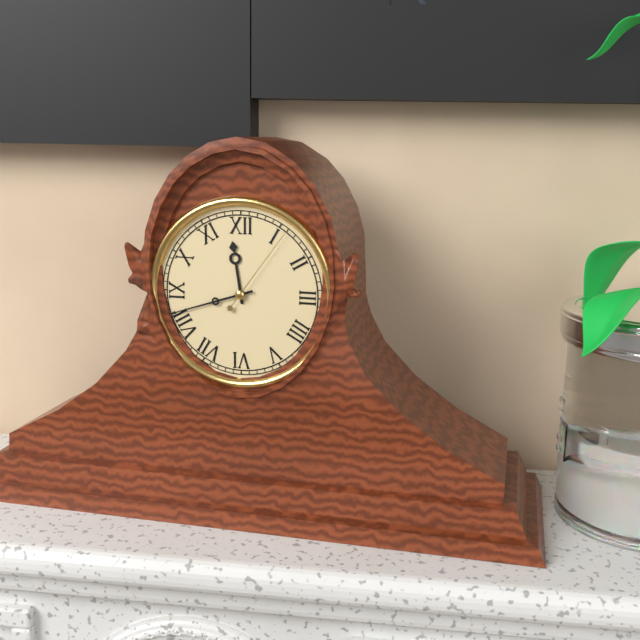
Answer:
{"hour": 11, "minute": 42, "second": 6}
